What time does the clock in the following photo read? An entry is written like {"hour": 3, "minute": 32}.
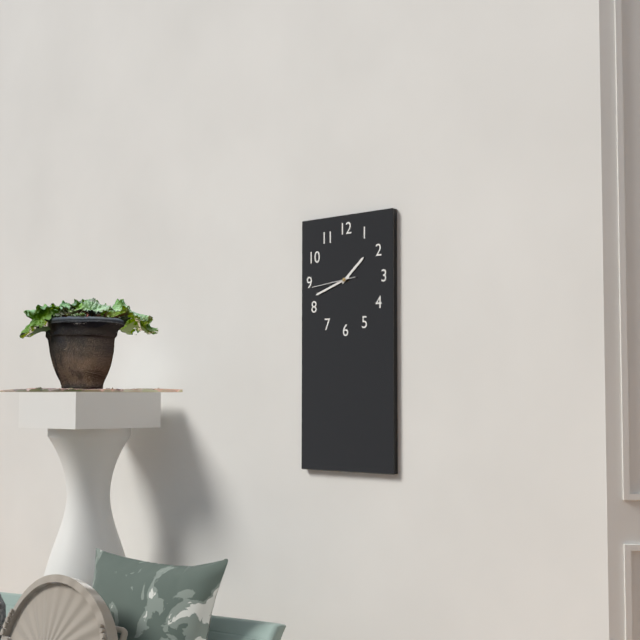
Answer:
{"hour": 1, "minute": 42}
